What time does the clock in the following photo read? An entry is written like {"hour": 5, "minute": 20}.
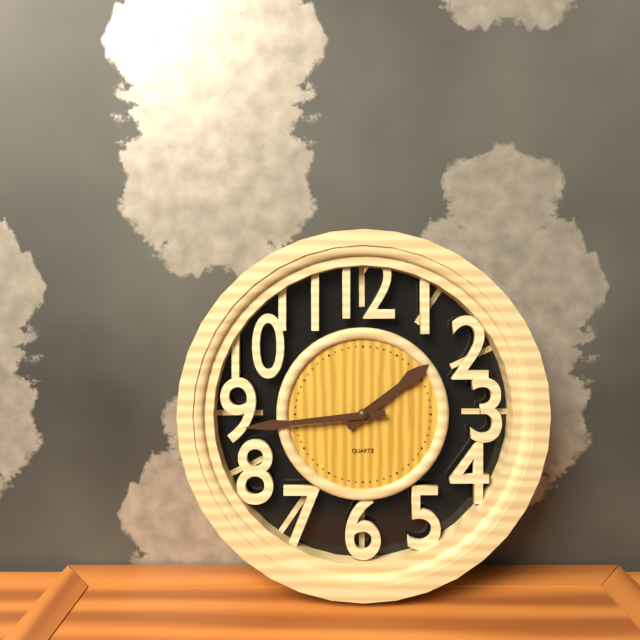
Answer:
{"hour": 1, "minute": 44}
